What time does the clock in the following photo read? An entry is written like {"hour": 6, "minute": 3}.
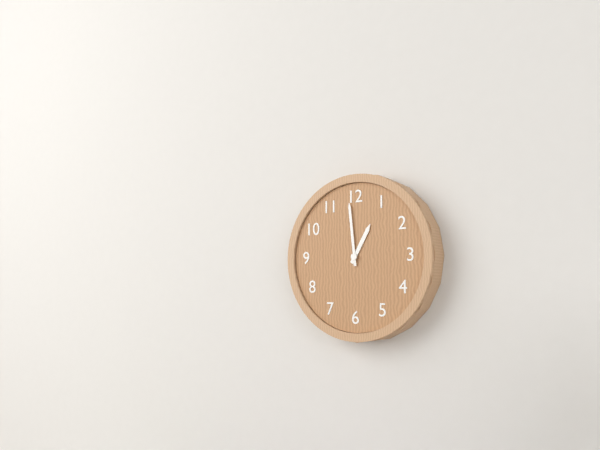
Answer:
{"hour": 12, "minute": 59}
